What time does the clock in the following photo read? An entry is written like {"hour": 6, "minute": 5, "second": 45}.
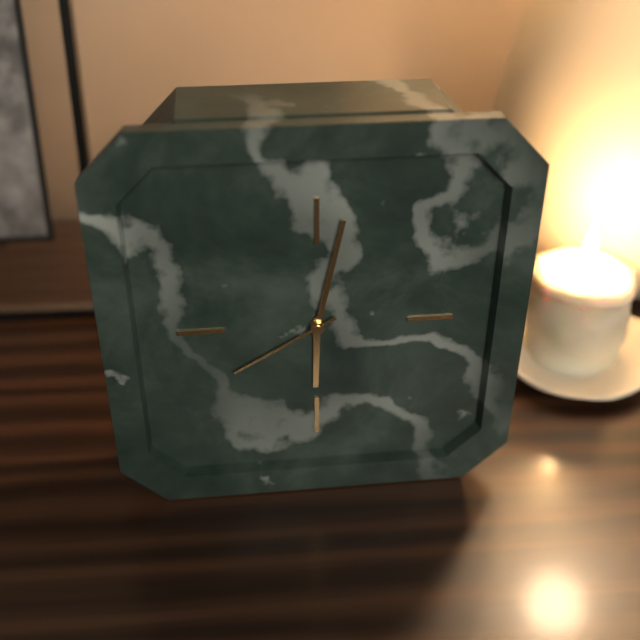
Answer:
{"hour": 6, "minute": 2, "second": 40}
